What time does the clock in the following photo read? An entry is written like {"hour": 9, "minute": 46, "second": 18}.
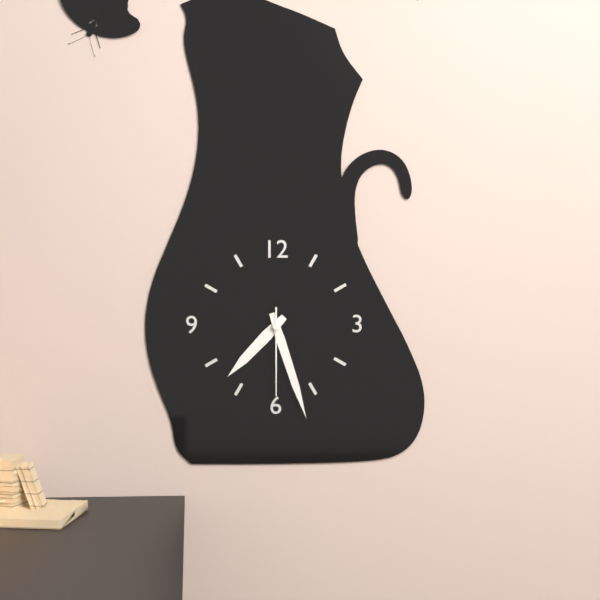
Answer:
{"hour": 7, "minute": 27, "second": 30}
